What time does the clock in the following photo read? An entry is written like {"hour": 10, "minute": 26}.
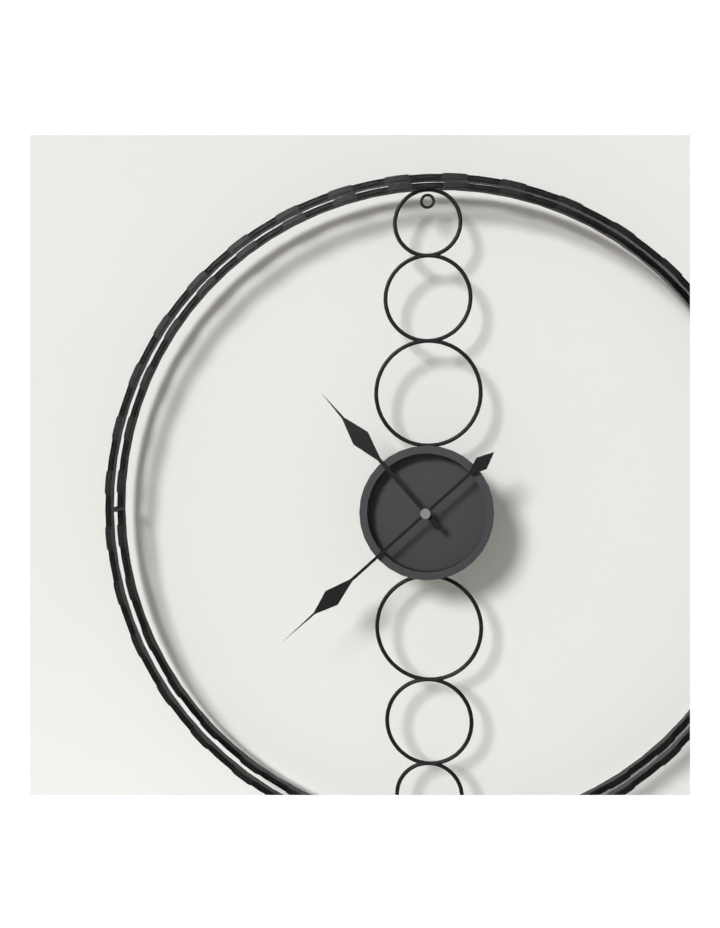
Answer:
{"hour": 10, "minute": 38}
